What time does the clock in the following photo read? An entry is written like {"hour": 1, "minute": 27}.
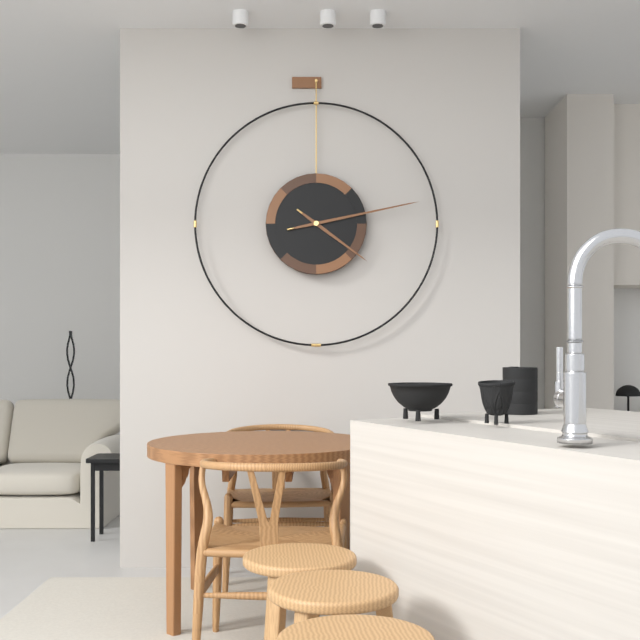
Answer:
{"hour": 4, "minute": 13}
